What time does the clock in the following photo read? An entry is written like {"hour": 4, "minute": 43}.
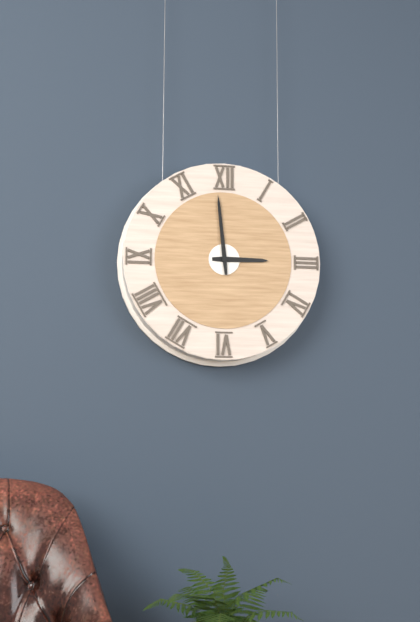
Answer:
{"hour": 2, "minute": 59}
